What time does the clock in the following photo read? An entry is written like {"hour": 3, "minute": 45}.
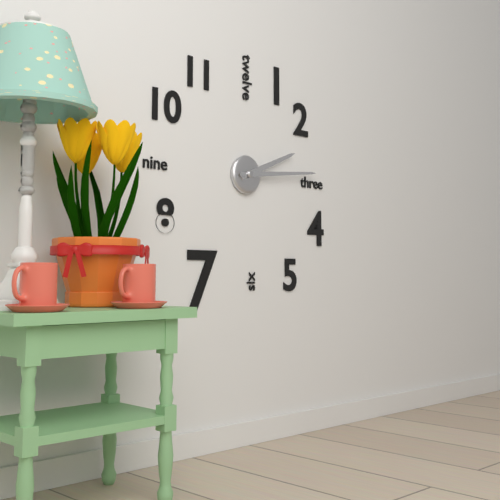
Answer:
{"hour": 2, "minute": 14}
